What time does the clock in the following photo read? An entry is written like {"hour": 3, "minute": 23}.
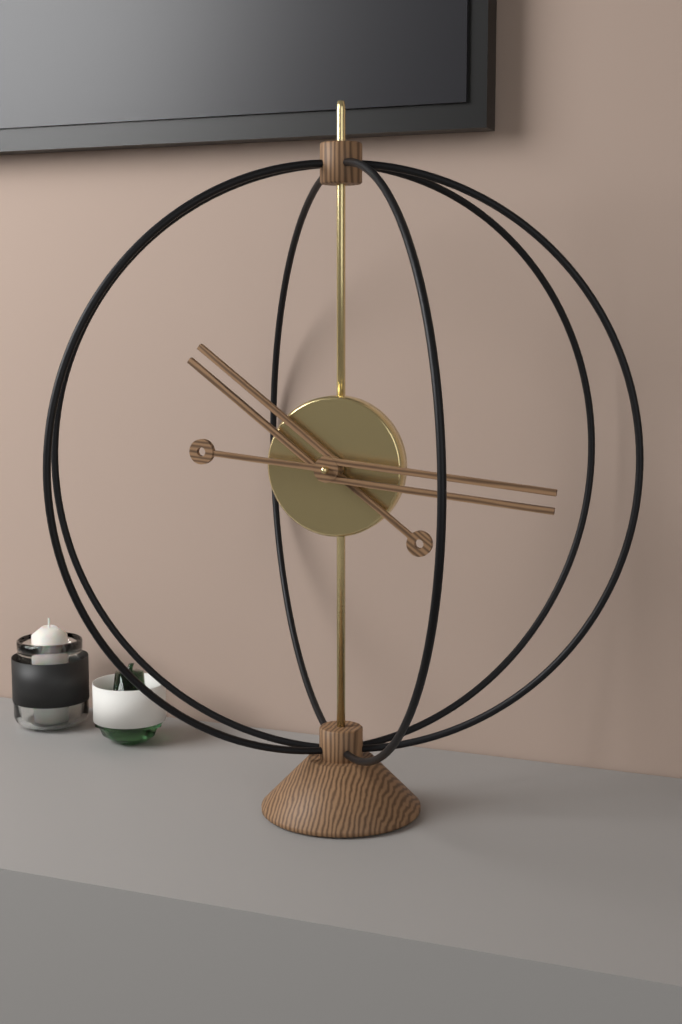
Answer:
{"hour": 10, "minute": 16}
